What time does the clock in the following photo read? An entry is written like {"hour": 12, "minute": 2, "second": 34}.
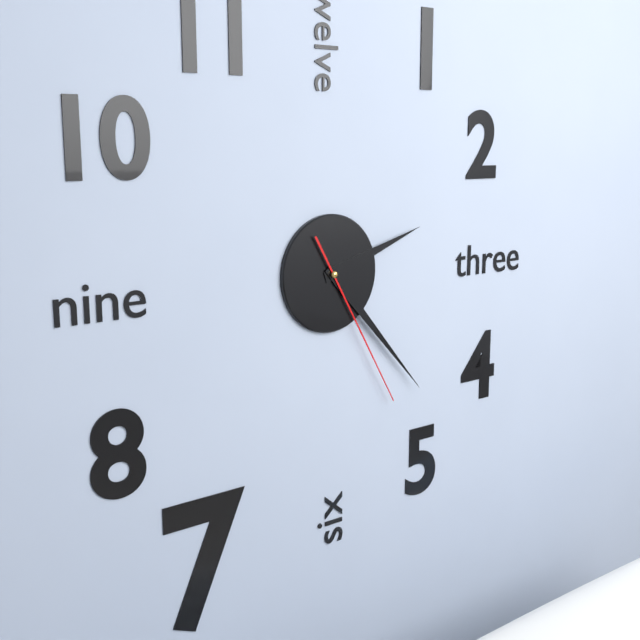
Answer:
{"hour": 2, "minute": 23, "second": 25}
